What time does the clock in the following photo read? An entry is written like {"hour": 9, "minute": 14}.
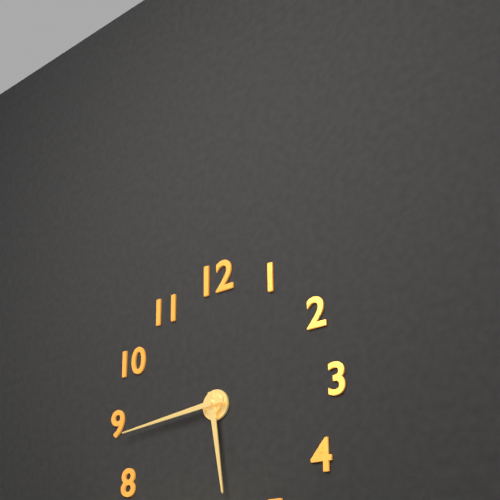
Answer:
{"hour": 5, "minute": 44}
